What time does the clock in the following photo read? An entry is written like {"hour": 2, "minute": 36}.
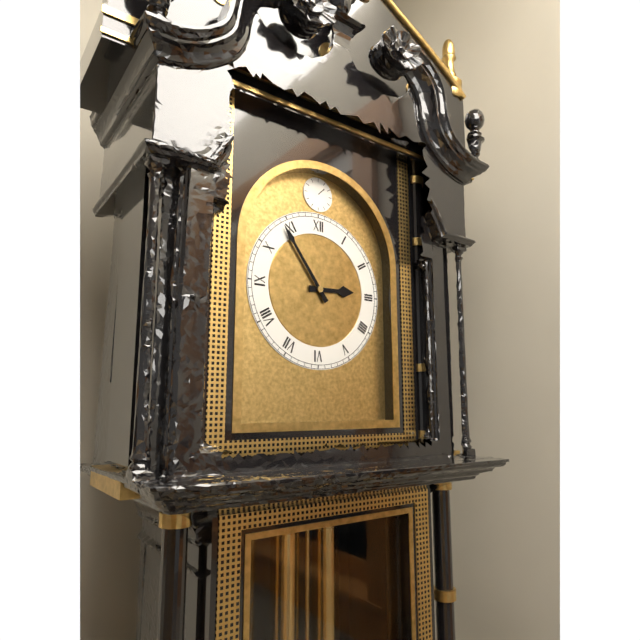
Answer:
{"hour": 2, "minute": 54}
